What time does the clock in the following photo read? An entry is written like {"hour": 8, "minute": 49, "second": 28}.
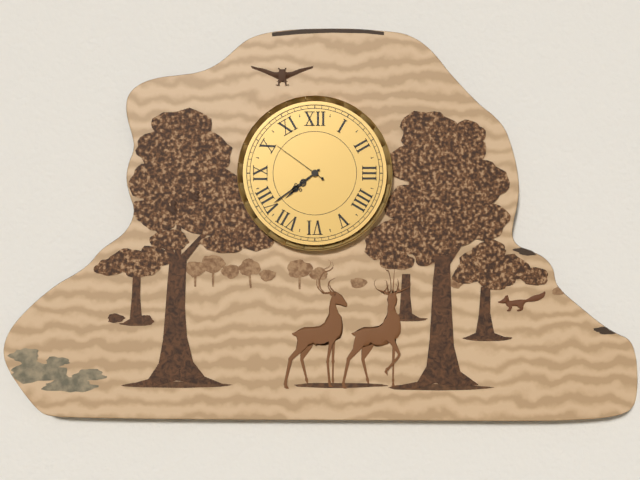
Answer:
{"hour": 7, "minute": 39, "second": 51}
